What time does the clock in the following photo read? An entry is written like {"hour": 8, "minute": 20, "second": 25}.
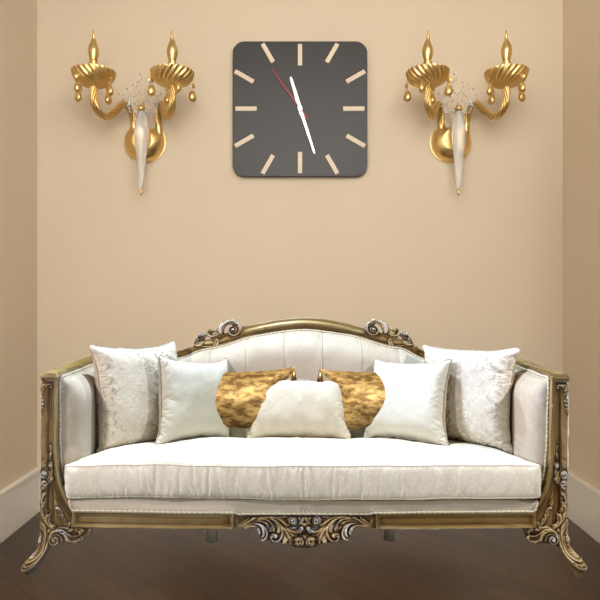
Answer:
{"hour": 11, "minute": 27, "second": 54}
